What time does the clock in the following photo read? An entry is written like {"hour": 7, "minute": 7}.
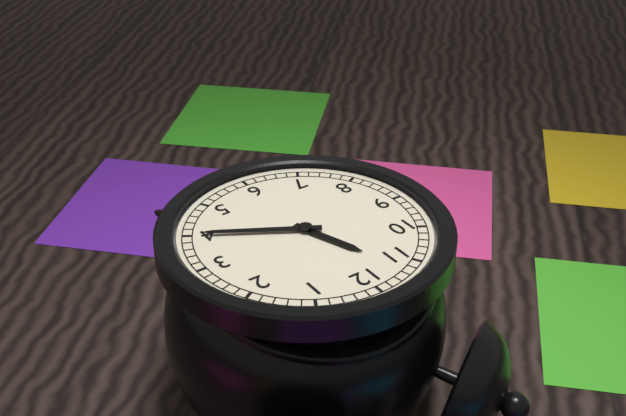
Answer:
{"hour": 11, "minute": 20}
